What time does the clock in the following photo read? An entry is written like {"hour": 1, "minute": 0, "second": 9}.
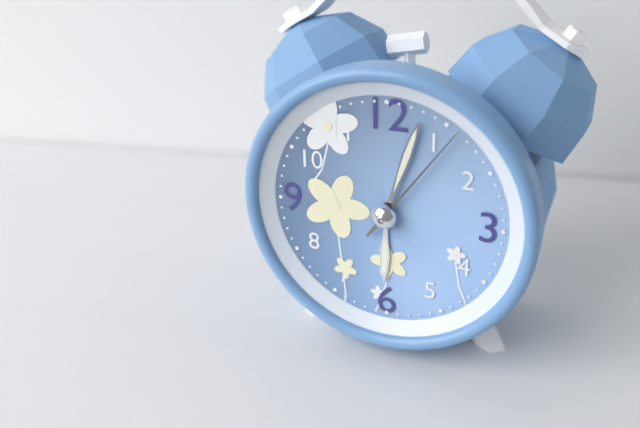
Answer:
{"hour": 6, "minute": 3, "second": 6}
